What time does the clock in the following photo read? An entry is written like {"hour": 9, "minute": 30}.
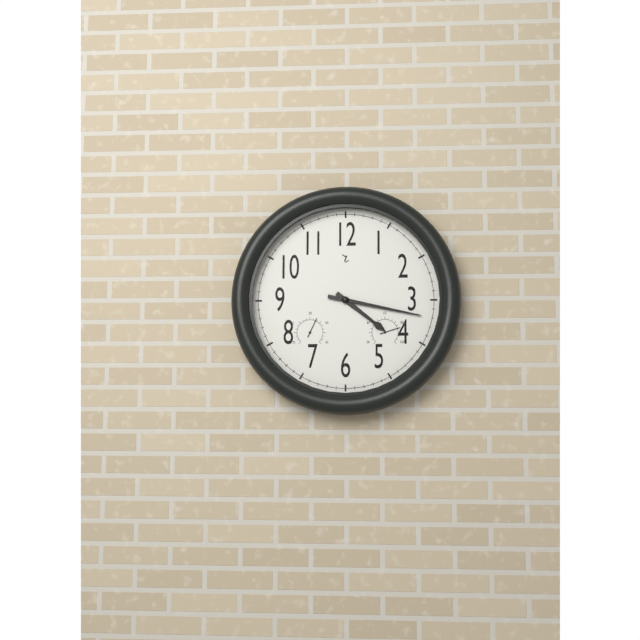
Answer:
{"hour": 4, "minute": 17}
